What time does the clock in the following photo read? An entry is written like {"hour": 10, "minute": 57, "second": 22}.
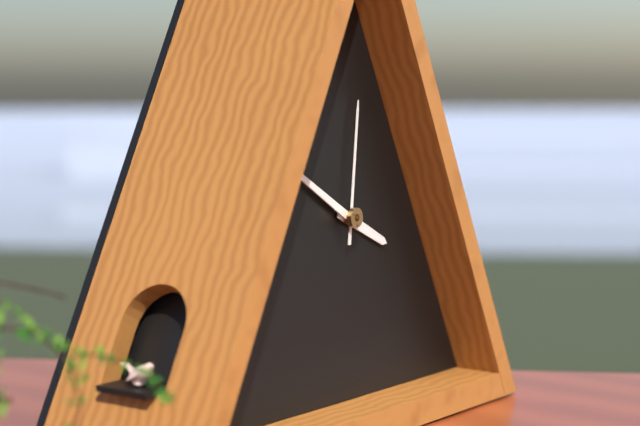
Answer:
{"hour": 3, "minute": 50, "second": 1}
